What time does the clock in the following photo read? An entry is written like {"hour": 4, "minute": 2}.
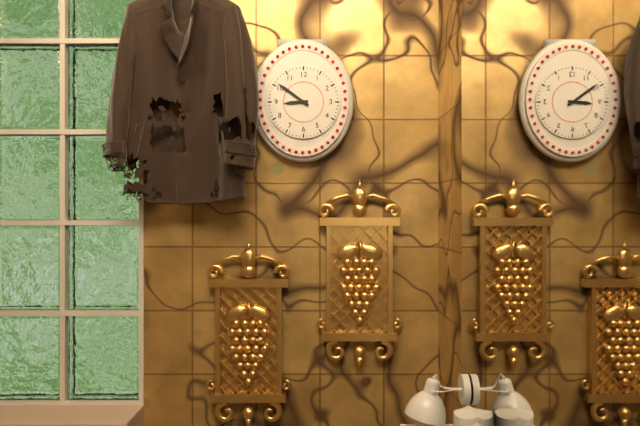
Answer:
{"hour": 8, "minute": 51}
